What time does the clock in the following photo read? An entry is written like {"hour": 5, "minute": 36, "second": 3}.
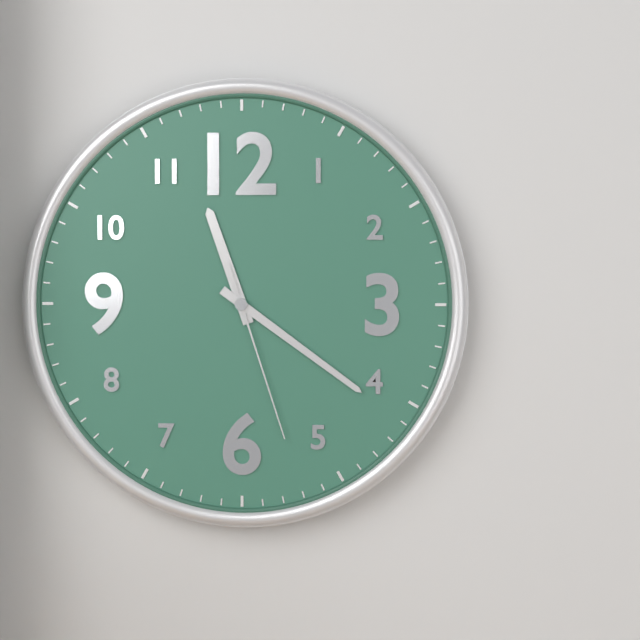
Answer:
{"hour": 11, "minute": 21, "second": 27}
